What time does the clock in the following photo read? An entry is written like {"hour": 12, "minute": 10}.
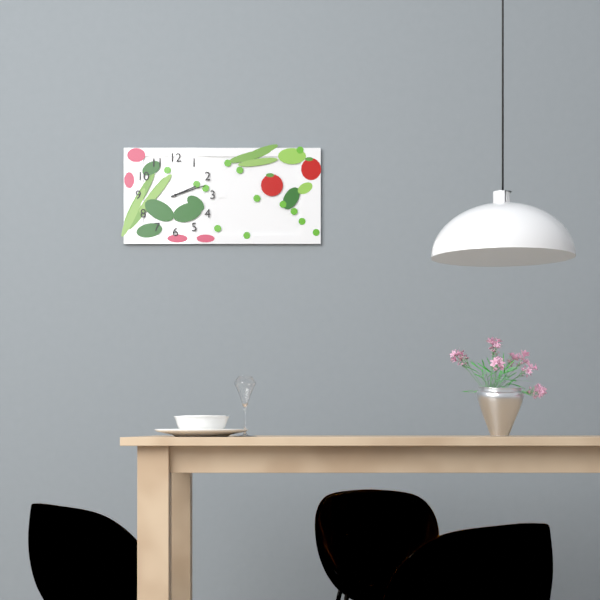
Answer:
{"hour": 2, "minute": 12}
